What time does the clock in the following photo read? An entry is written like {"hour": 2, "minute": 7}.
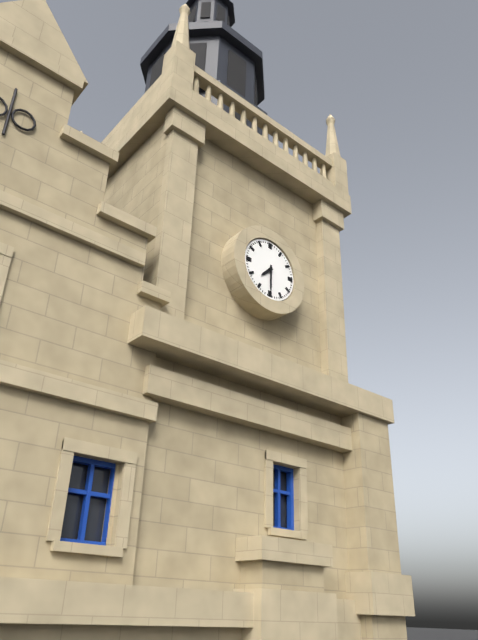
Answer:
{"hour": 7, "minute": 30}
